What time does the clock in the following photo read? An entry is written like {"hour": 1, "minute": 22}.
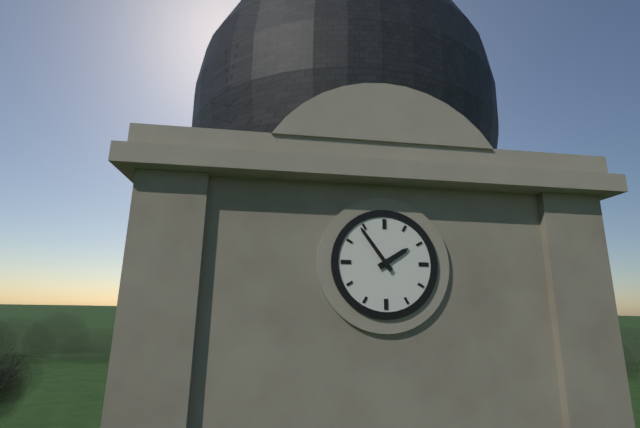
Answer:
{"hour": 1, "minute": 54}
